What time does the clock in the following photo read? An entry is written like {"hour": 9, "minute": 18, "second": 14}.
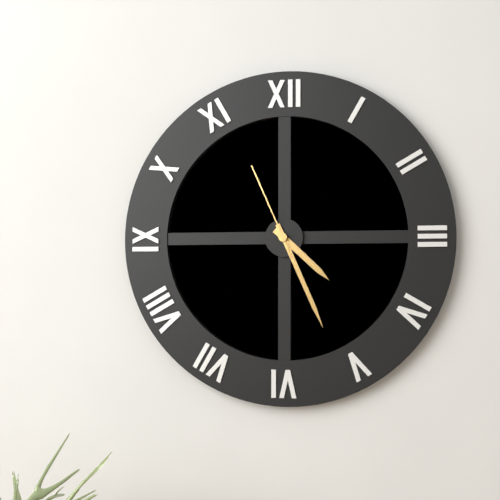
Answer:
{"hour": 4, "minute": 26, "second": 56}
